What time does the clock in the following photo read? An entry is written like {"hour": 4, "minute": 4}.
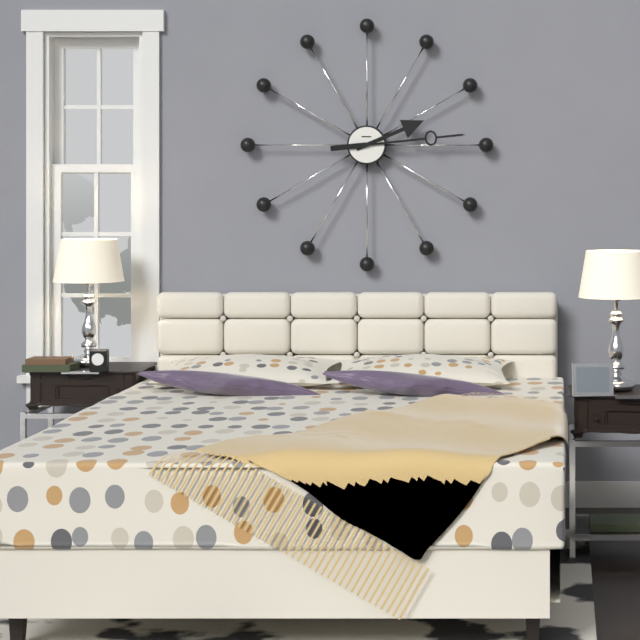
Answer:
{"hour": 2, "minute": 14}
